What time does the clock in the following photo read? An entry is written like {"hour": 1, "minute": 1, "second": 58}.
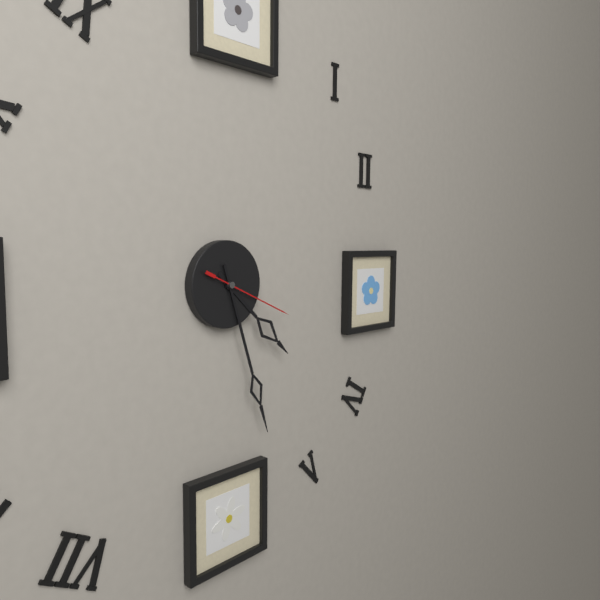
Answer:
{"hour": 4, "minute": 27, "second": 19}
